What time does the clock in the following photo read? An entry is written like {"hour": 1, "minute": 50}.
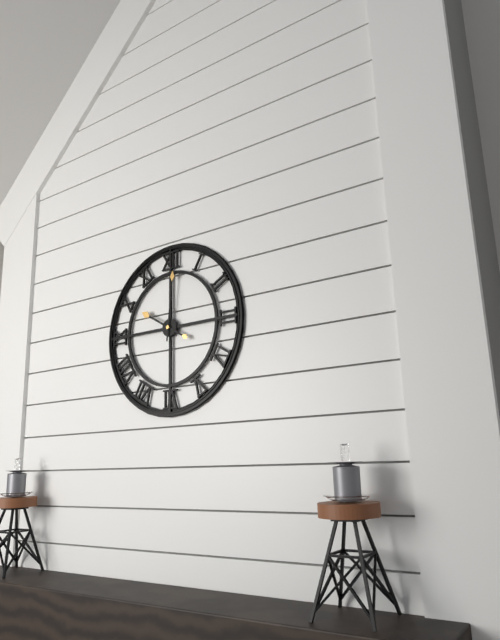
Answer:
{"hour": 10, "minute": 1}
